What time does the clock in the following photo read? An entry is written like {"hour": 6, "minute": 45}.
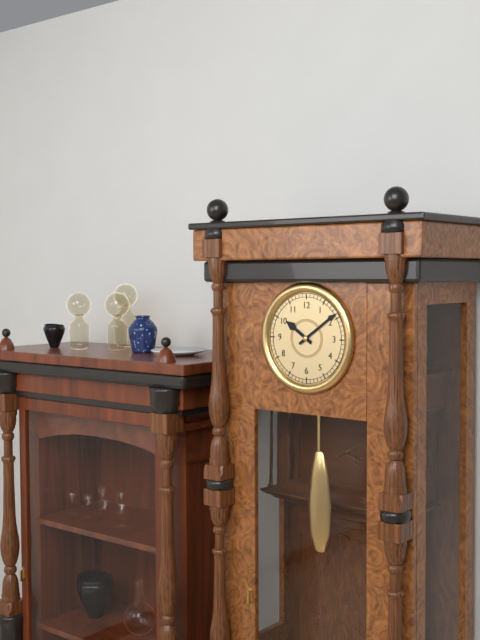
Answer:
{"hour": 10, "minute": 9}
